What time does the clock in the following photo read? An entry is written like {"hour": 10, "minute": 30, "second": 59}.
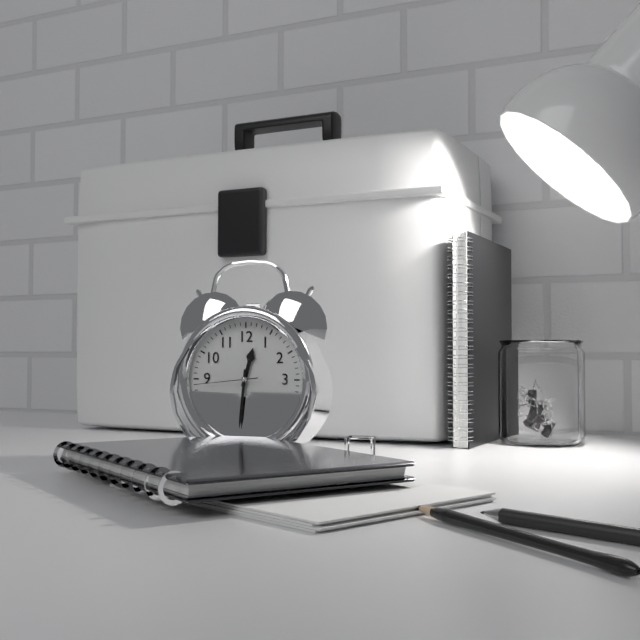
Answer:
{"hour": 12, "minute": 31, "second": 44}
